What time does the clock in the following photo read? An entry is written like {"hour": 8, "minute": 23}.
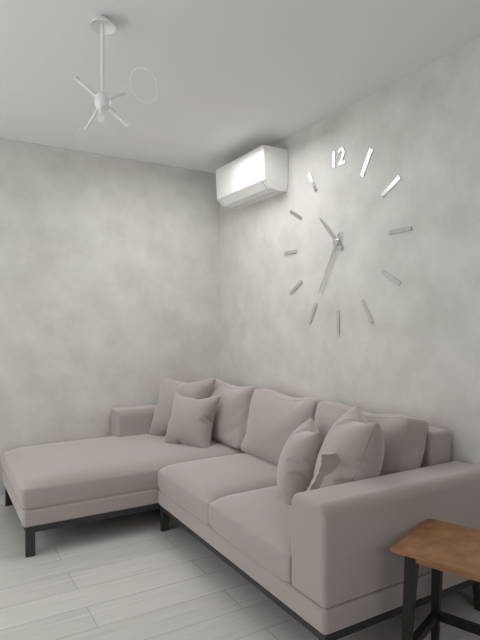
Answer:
{"hour": 10, "minute": 35}
